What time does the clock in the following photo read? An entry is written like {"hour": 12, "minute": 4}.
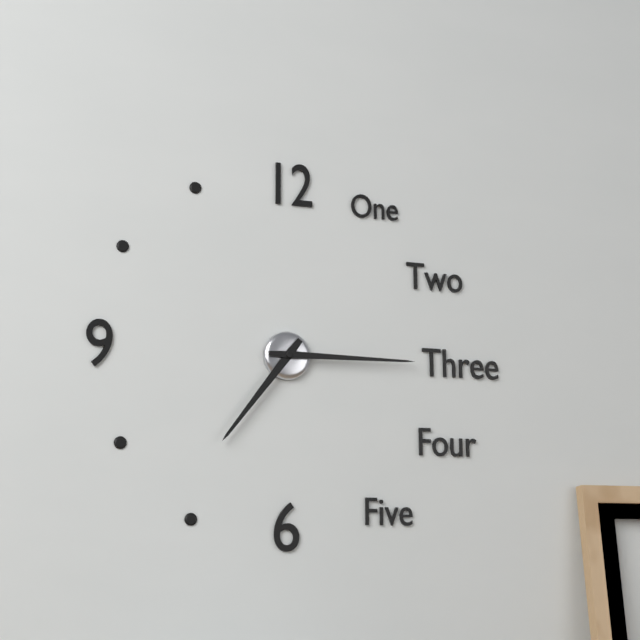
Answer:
{"hour": 7, "minute": 15}
